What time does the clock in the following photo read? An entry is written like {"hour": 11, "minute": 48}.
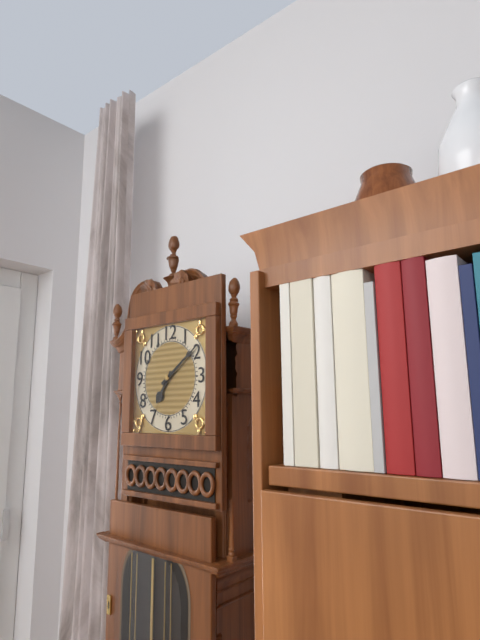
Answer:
{"hour": 7, "minute": 9}
